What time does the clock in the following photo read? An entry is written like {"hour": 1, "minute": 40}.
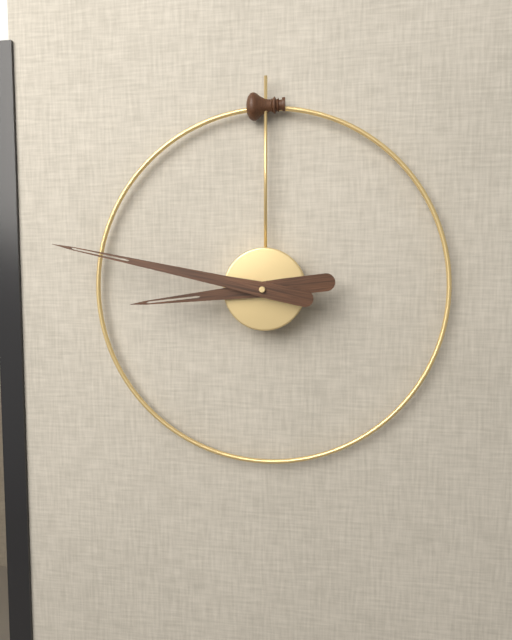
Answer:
{"hour": 8, "minute": 47}
